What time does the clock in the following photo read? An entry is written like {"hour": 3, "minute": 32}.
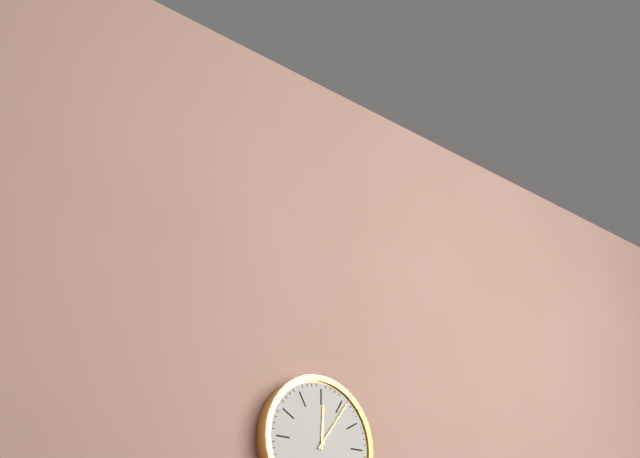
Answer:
{"hour": 12, "minute": 6}
